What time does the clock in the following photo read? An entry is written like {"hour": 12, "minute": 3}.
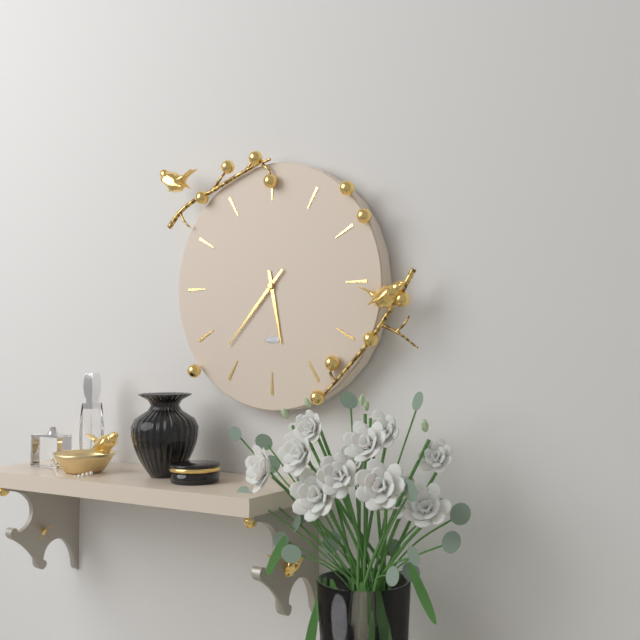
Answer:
{"hour": 5, "minute": 37}
